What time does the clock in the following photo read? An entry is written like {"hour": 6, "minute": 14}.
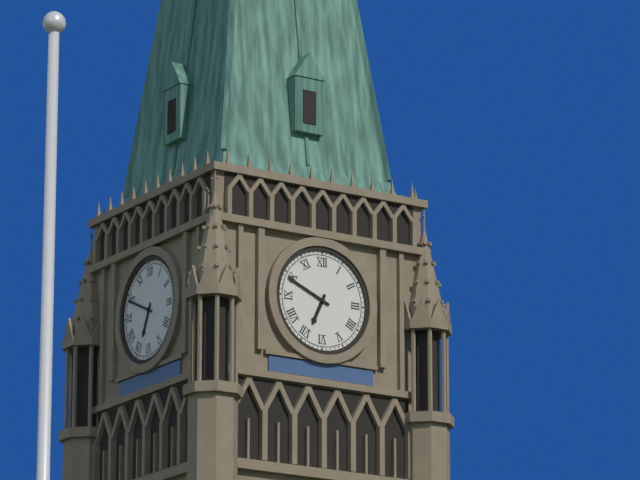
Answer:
{"hour": 6, "minute": 49}
